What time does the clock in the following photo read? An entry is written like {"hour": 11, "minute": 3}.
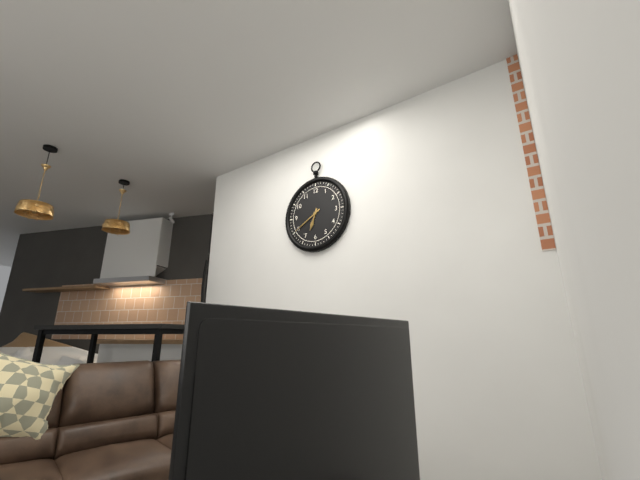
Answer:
{"hour": 6, "minute": 40}
